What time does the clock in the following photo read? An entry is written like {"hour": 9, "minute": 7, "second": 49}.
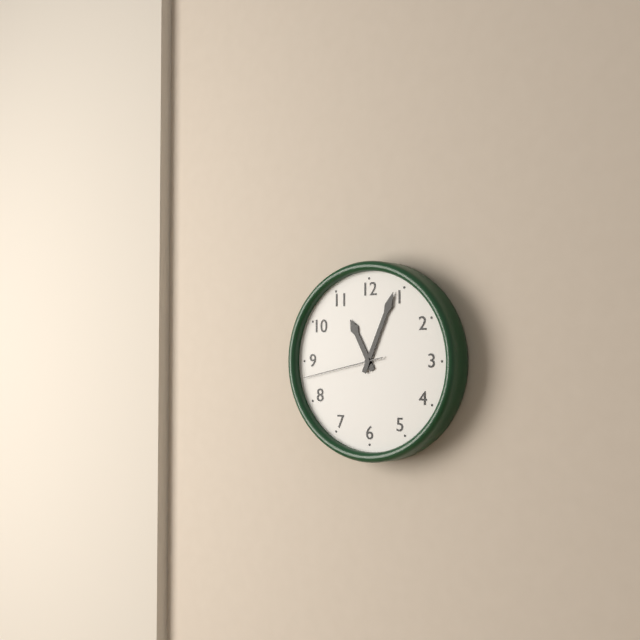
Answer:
{"hour": 11, "minute": 4, "second": 43}
